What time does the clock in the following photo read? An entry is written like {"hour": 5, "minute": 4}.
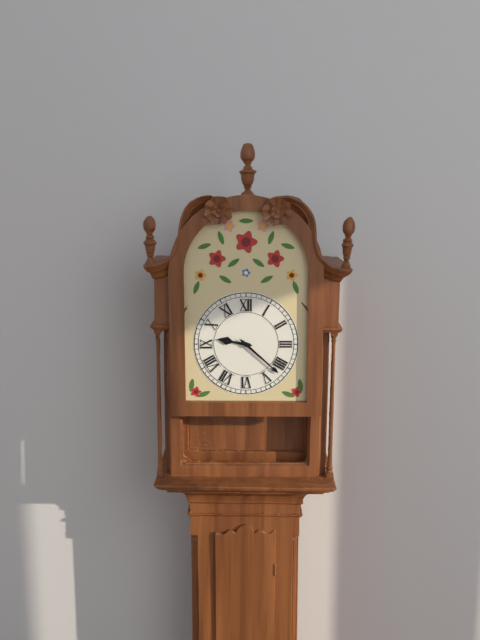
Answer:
{"hour": 9, "minute": 22}
